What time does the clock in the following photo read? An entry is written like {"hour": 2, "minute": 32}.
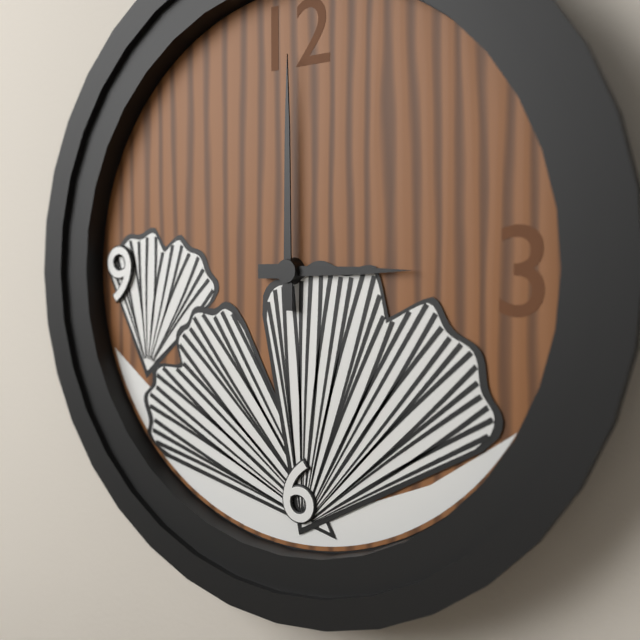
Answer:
{"hour": 3, "minute": 0}
